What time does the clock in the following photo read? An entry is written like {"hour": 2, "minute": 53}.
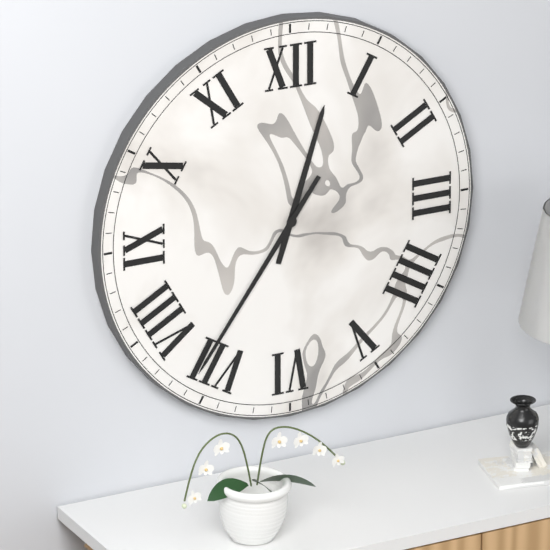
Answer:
{"hour": 12, "minute": 36}
